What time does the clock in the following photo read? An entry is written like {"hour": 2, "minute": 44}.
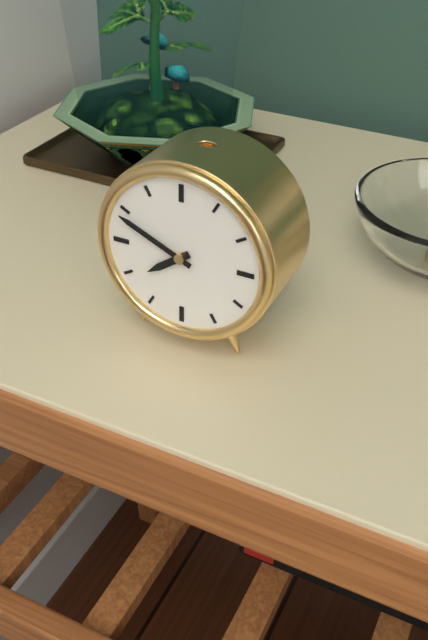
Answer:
{"hour": 7, "minute": 49}
